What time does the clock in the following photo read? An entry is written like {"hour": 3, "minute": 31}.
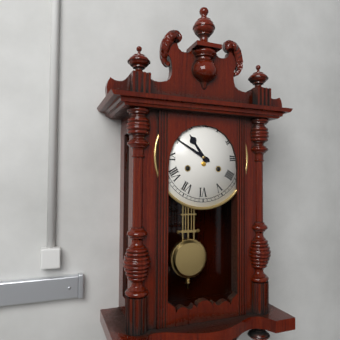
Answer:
{"hour": 10, "minute": 50}
